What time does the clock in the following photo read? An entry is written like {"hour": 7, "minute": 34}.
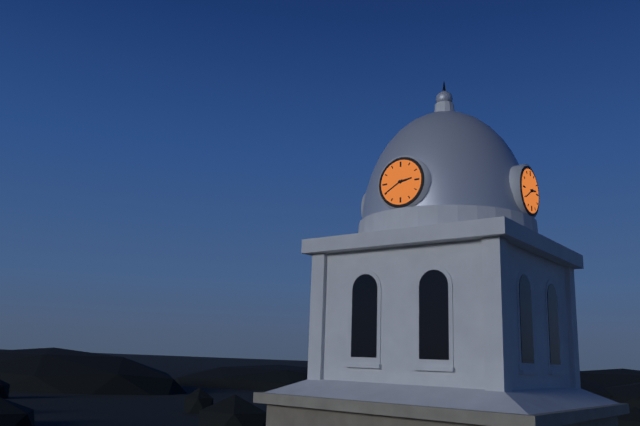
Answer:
{"hour": 2, "minute": 40}
